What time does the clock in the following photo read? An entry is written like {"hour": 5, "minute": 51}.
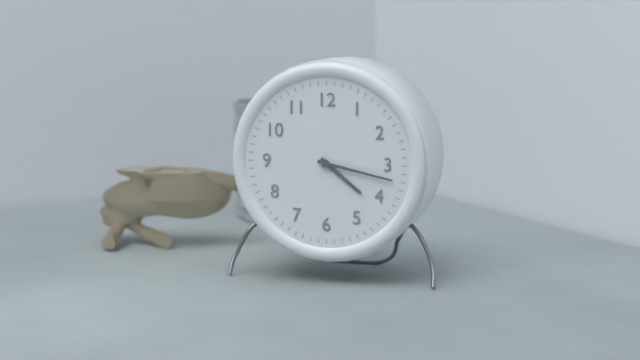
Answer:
{"hour": 4, "minute": 17}
